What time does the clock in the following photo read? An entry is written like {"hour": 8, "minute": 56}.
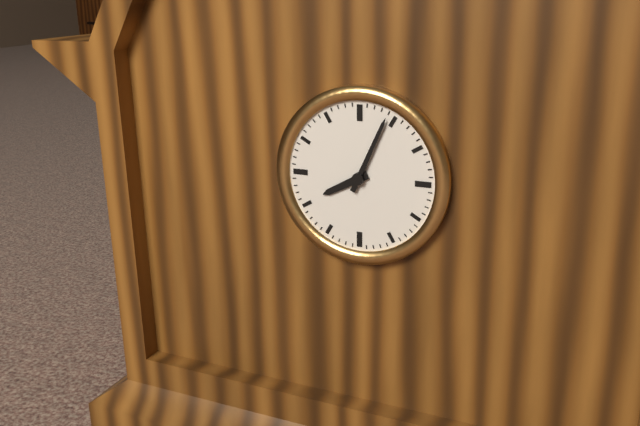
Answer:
{"hour": 8, "minute": 4}
